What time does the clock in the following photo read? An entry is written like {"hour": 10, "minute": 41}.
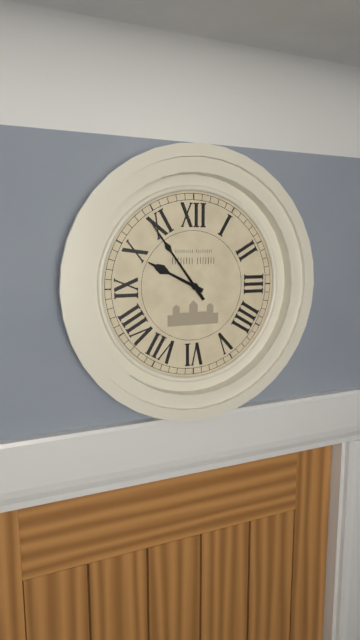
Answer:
{"hour": 9, "minute": 54}
